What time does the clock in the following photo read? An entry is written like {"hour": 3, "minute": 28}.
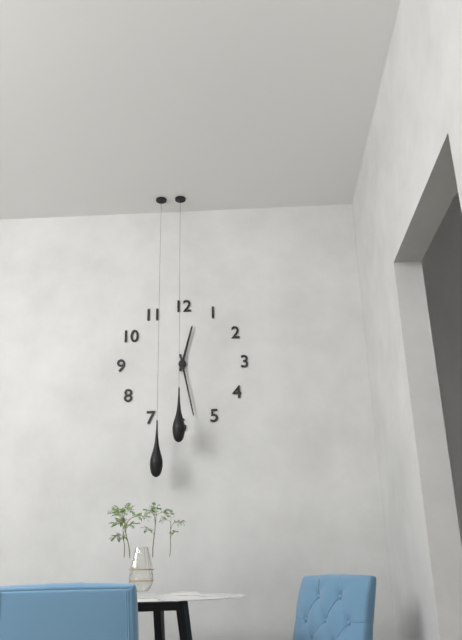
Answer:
{"hour": 12, "minute": 28}
